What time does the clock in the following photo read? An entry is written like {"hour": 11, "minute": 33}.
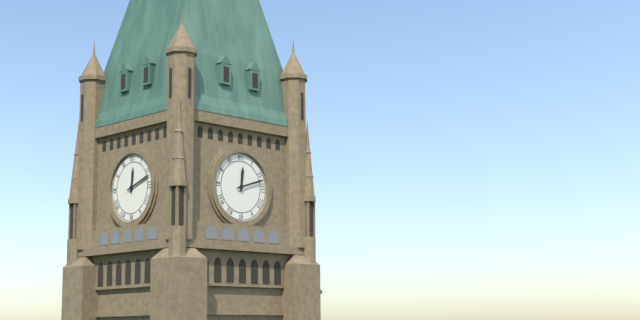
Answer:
{"hour": 12, "minute": 12}
